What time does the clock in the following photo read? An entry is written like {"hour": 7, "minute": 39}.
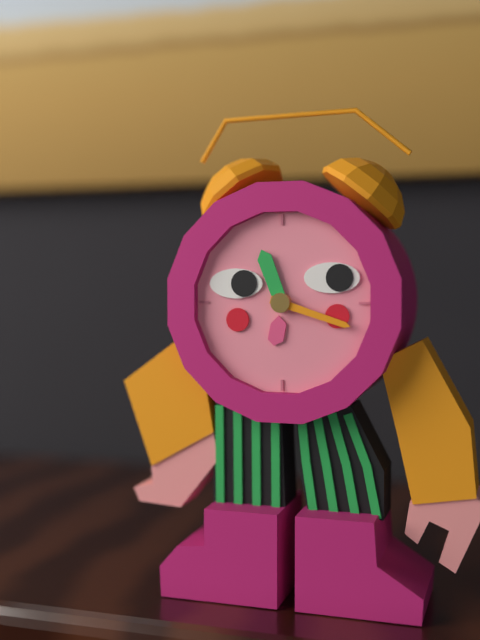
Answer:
{"hour": 11, "minute": 18}
